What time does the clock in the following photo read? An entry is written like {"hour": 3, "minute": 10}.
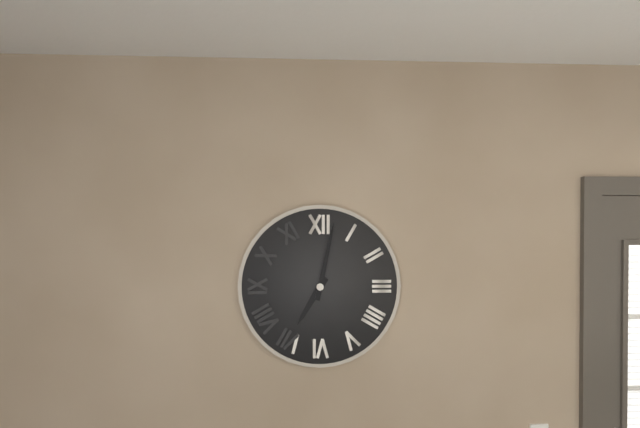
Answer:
{"hour": 7, "minute": 2}
